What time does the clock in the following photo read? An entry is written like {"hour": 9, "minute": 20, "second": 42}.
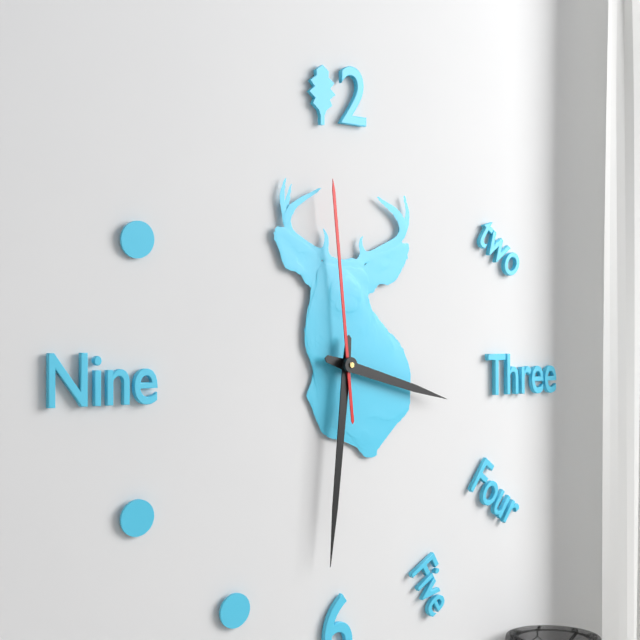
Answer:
{"hour": 3, "minute": 31, "second": 59}
